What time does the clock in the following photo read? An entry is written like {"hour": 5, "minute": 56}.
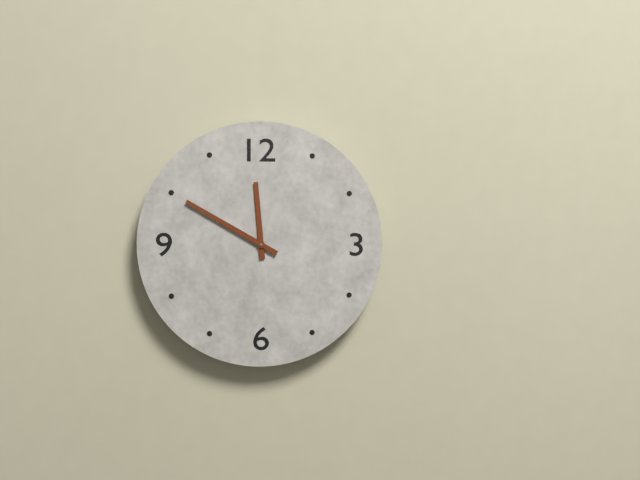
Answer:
{"hour": 11, "minute": 50}
